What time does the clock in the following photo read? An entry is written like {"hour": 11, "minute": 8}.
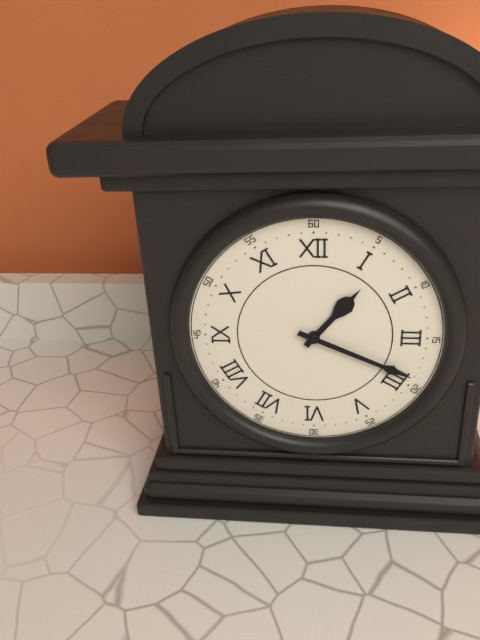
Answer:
{"hour": 1, "minute": 19}
